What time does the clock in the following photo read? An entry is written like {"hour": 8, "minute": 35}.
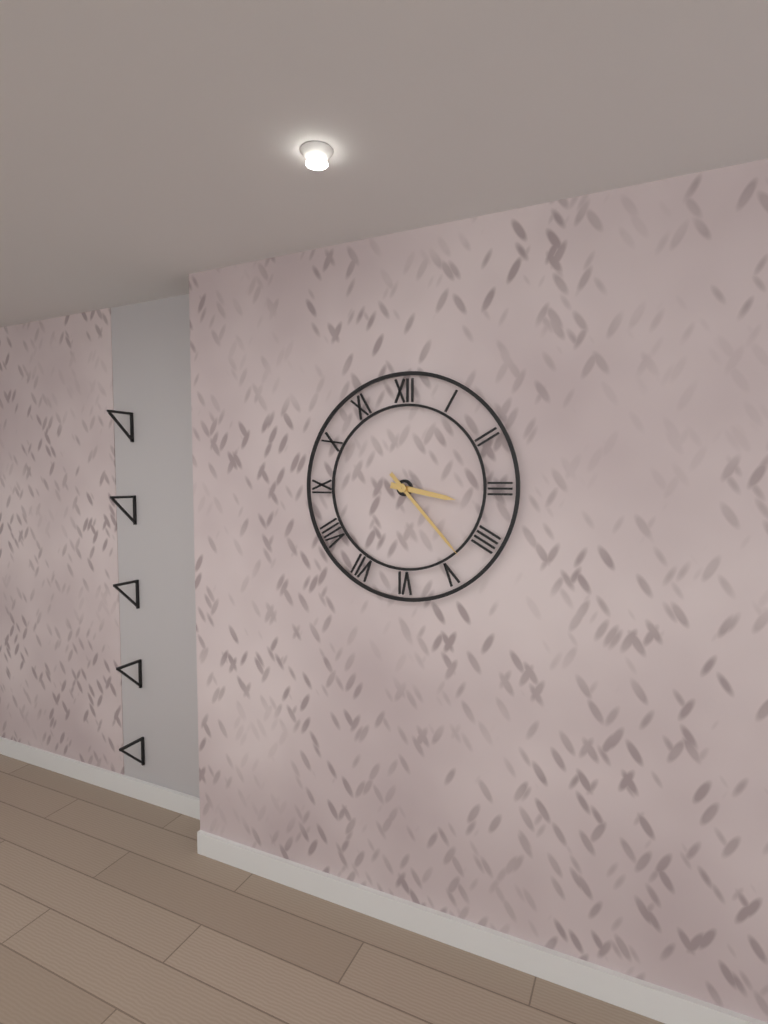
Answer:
{"hour": 3, "minute": 23}
